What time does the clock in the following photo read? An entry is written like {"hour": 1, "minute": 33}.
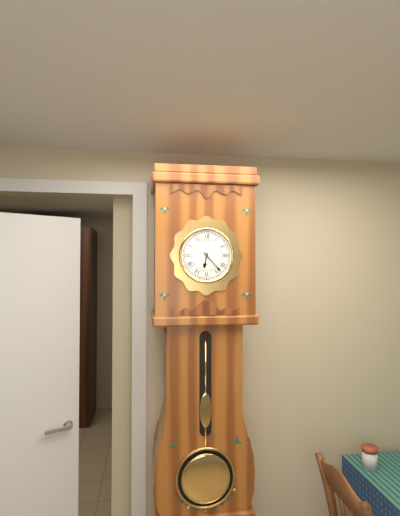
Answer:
{"hour": 6, "minute": 23}
